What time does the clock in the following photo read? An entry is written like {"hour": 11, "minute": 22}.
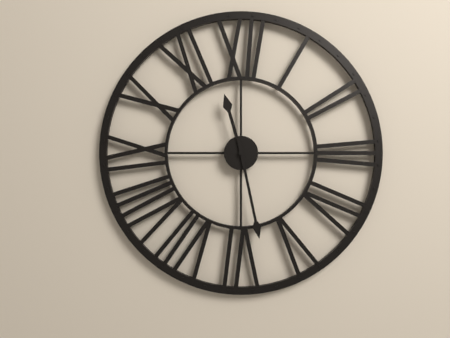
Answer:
{"hour": 11, "minute": 28}
